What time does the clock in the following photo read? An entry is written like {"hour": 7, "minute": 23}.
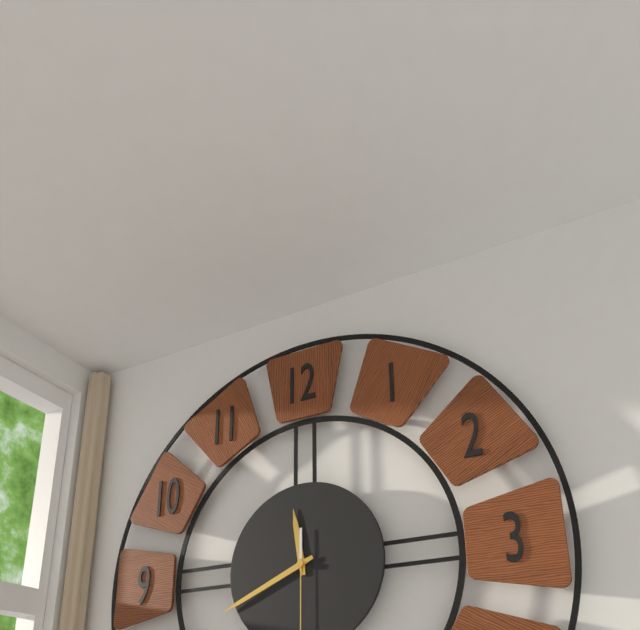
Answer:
{"hour": 11, "minute": 41}
